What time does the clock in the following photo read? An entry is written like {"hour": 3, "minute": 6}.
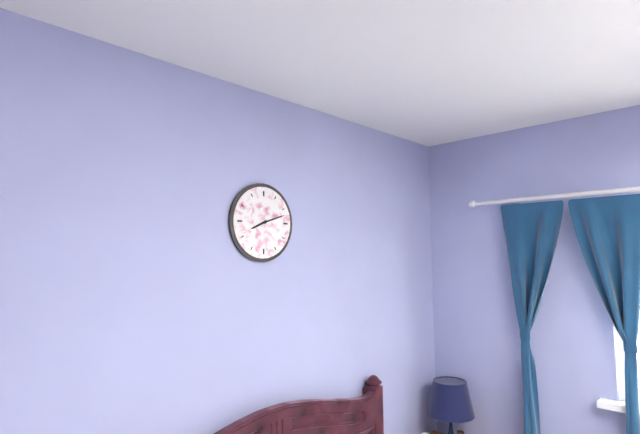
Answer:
{"hour": 8, "minute": 12}
